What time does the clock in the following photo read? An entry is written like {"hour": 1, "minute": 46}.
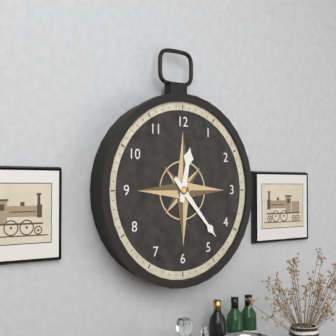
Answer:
{"hour": 12, "minute": 23}
